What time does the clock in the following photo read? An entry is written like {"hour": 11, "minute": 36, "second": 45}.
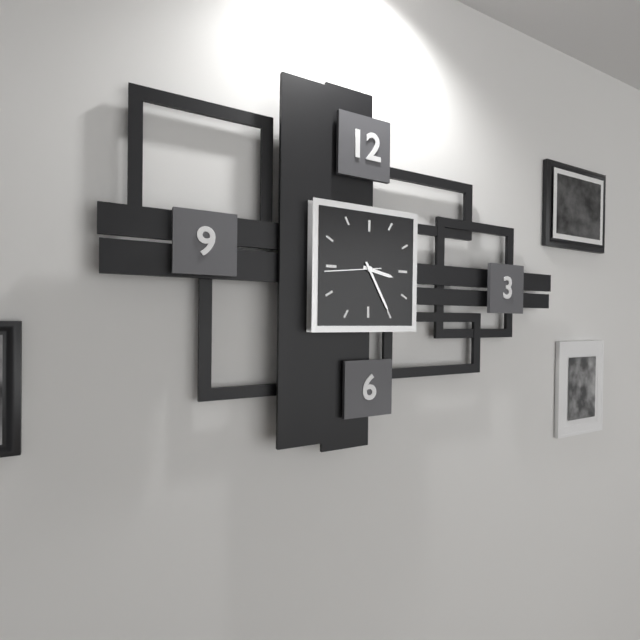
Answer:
{"hour": 3, "minute": 25, "second": 44}
